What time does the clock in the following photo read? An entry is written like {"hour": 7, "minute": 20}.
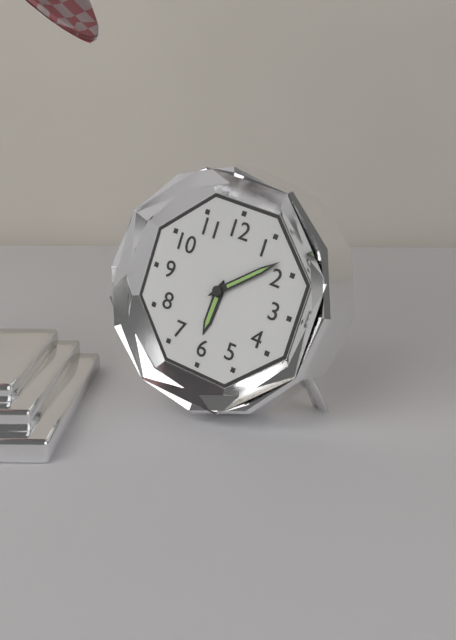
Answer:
{"hour": 6, "minute": 8}
